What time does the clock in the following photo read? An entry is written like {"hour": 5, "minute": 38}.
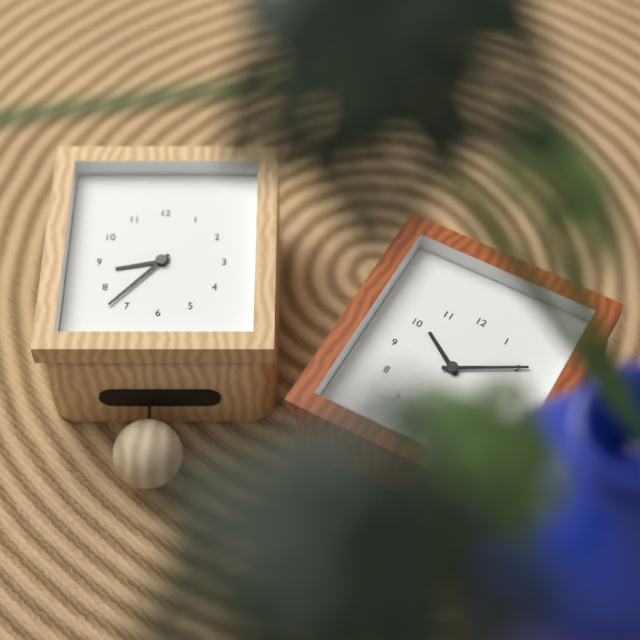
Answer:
{"hour": 8, "minute": 37}
